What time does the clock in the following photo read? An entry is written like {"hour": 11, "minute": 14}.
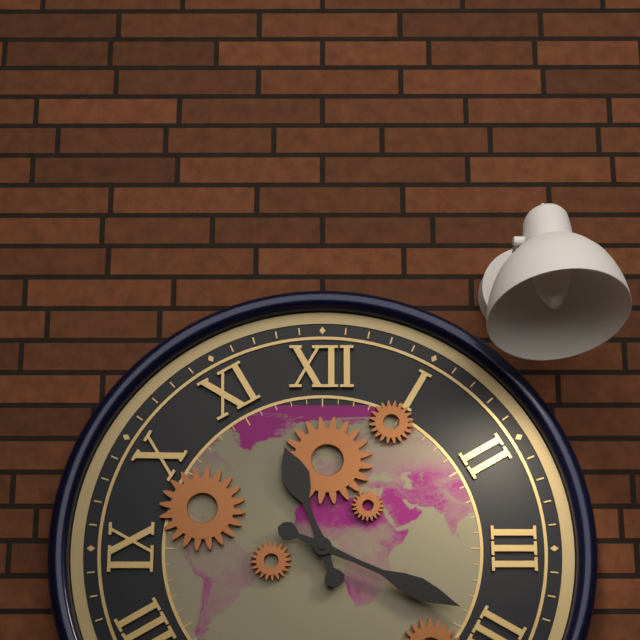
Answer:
{"hour": 11, "minute": 19}
